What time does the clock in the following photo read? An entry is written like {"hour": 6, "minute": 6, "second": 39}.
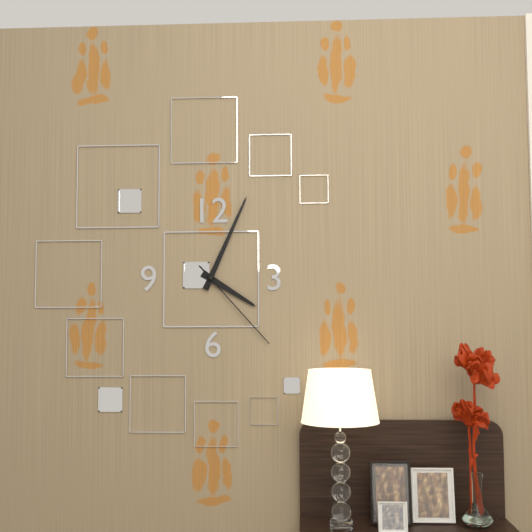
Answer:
{"hour": 4, "minute": 4, "second": 23}
